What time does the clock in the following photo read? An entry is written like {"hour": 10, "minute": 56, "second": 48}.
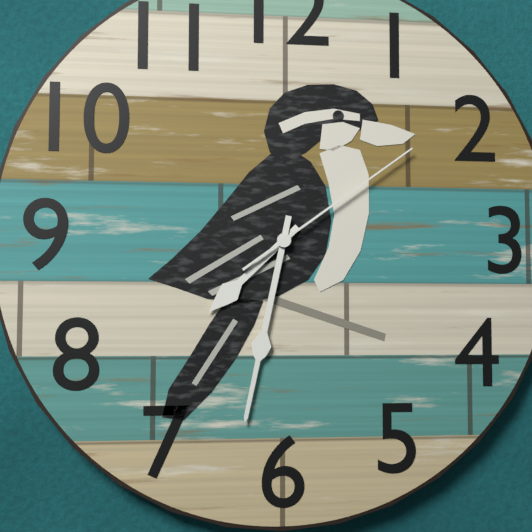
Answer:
{"hour": 7, "minute": 32, "second": 9}
